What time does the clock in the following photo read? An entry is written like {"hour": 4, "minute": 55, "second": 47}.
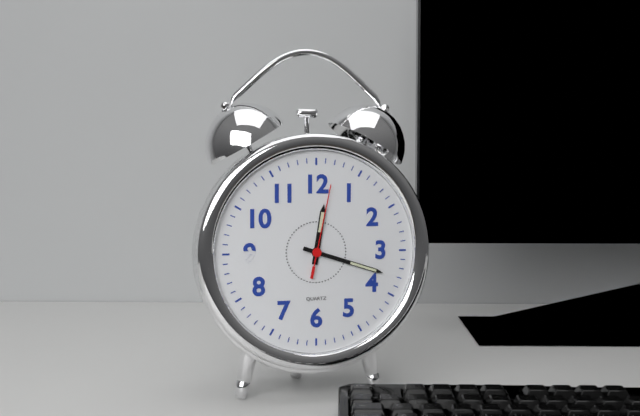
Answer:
{"hour": 12, "minute": 18, "second": 2}
